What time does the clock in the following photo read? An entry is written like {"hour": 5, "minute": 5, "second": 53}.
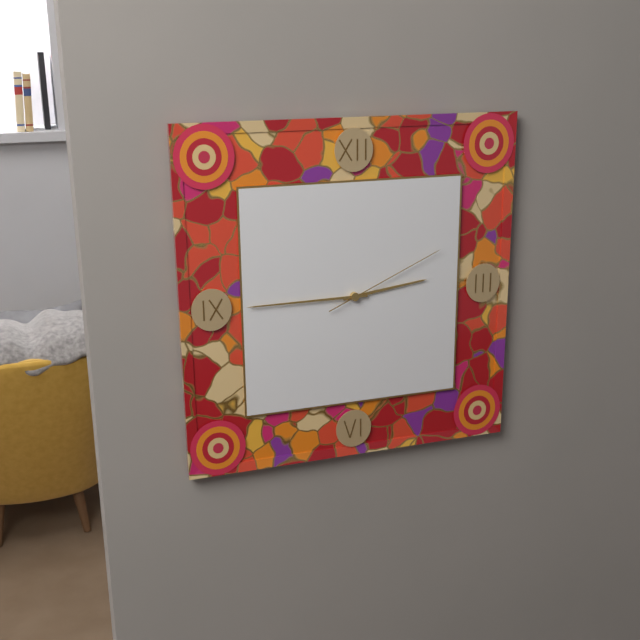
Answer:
{"hour": 2, "minute": 45, "second": 11}
